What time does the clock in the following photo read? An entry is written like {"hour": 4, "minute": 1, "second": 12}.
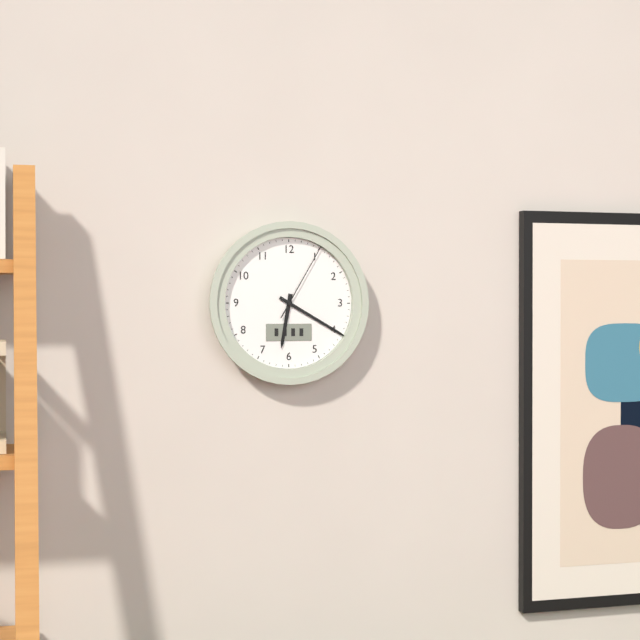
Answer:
{"hour": 6, "minute": 20, "second": 5}
